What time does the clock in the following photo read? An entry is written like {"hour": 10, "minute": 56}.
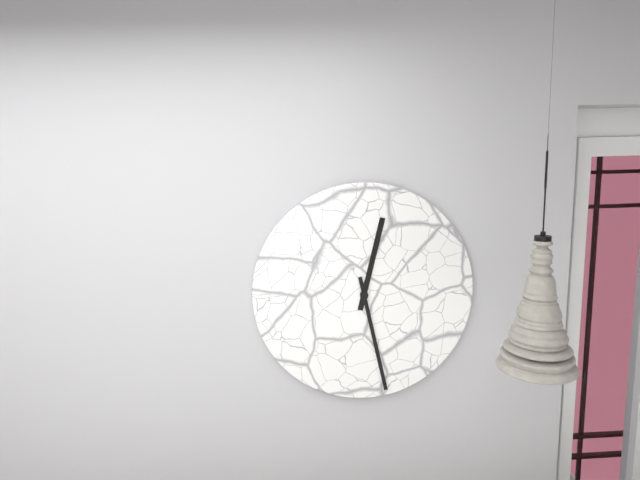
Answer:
{"hour": 12, "minute": 28}
